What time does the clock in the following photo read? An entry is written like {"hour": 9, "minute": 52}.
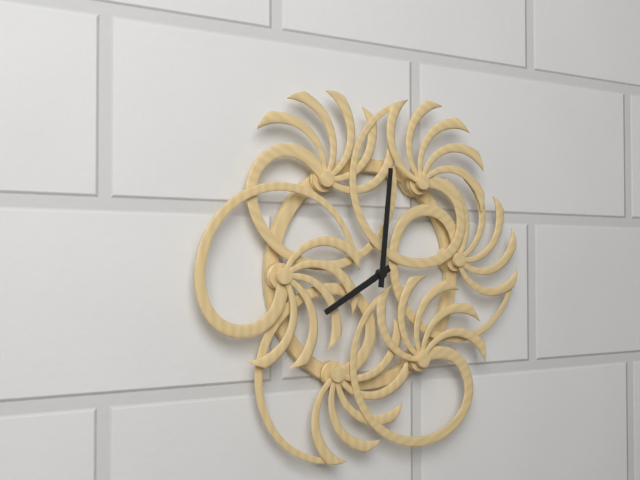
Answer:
{"hour": 8, "minute": 1}
